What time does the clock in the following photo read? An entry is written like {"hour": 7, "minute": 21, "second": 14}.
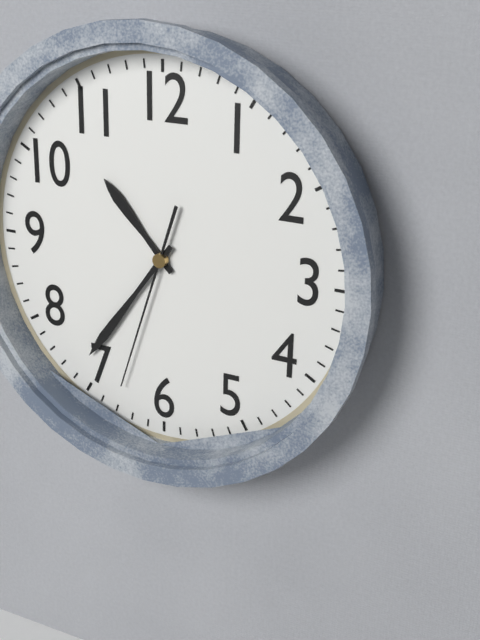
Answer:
{"hour": 10, "minute": 36, "second": 33}
